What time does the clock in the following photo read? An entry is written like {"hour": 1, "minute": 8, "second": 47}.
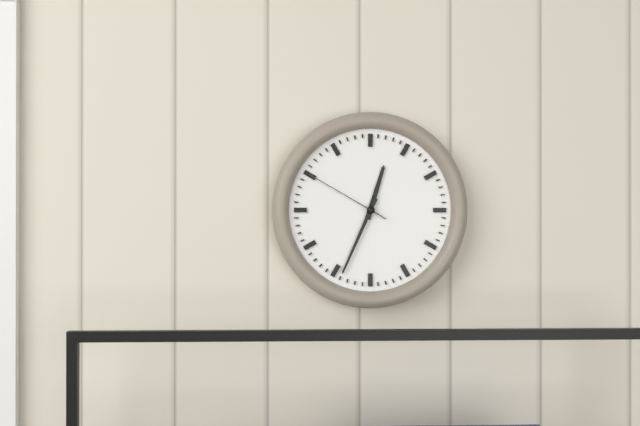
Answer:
{"hour": 12, "minute": 34, "second": 50}
